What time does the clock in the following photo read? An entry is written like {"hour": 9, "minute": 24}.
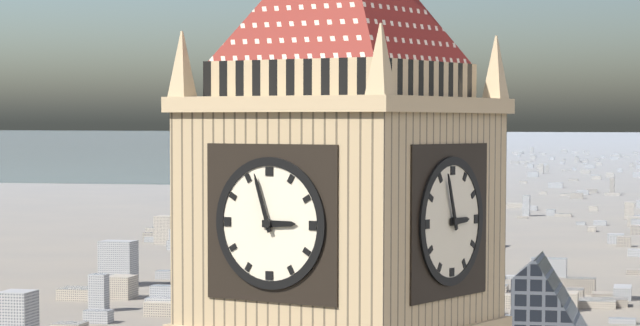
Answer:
{"hour": 2, "minute": 57}
